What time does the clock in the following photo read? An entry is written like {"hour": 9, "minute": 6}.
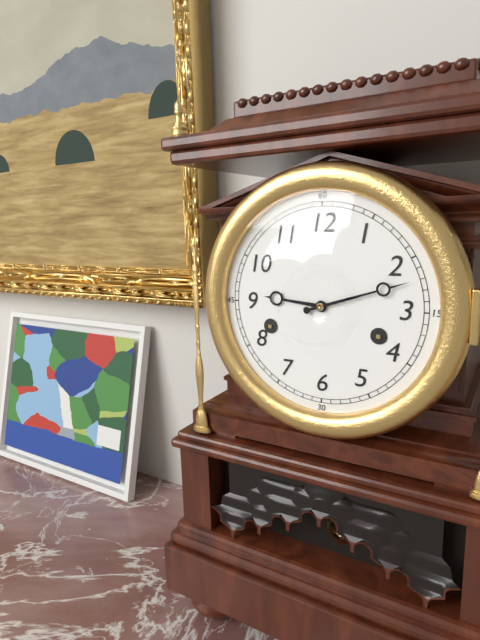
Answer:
{"hour": 9, "minute": 12}
